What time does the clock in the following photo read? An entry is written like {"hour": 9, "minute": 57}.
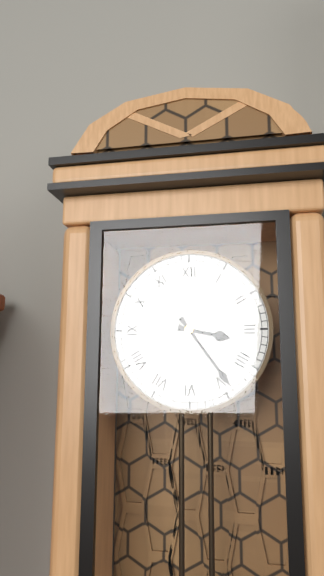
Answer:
{"hour": 3, "minute": 24}
